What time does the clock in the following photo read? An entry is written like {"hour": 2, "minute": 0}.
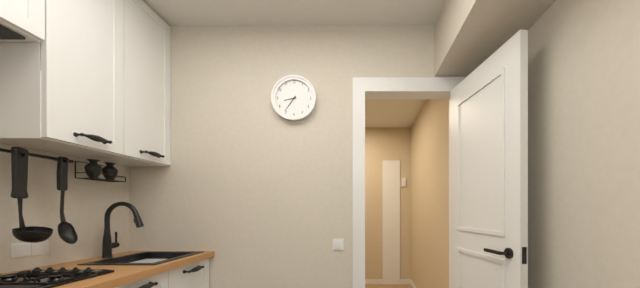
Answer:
{"hour": 8, "minute": 36}
